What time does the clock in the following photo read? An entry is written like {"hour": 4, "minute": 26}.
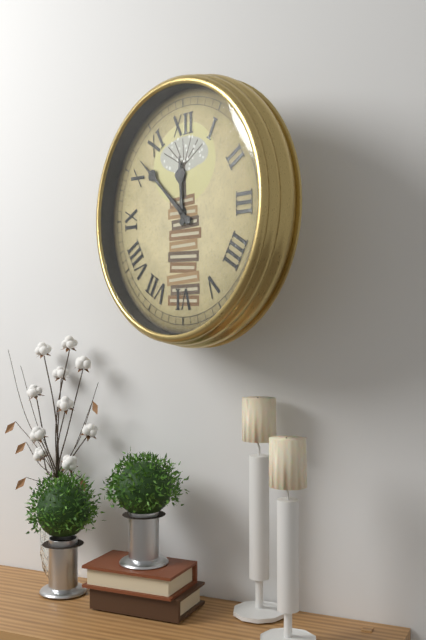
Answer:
{"hour": 11, "minute": 52}
